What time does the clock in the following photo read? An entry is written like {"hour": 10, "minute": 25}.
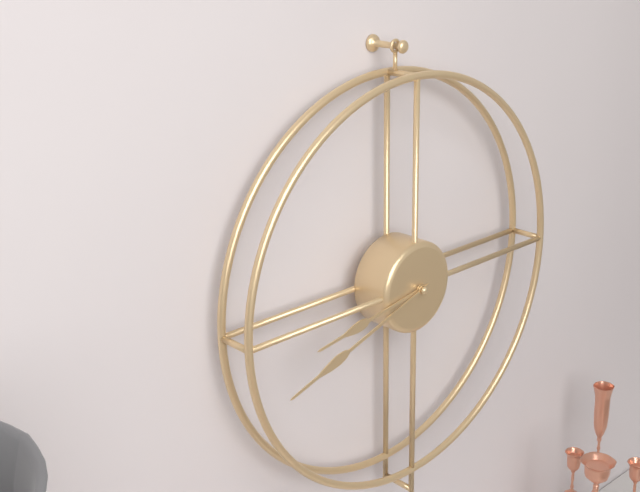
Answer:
{"hour": 8, "minute": 42}
